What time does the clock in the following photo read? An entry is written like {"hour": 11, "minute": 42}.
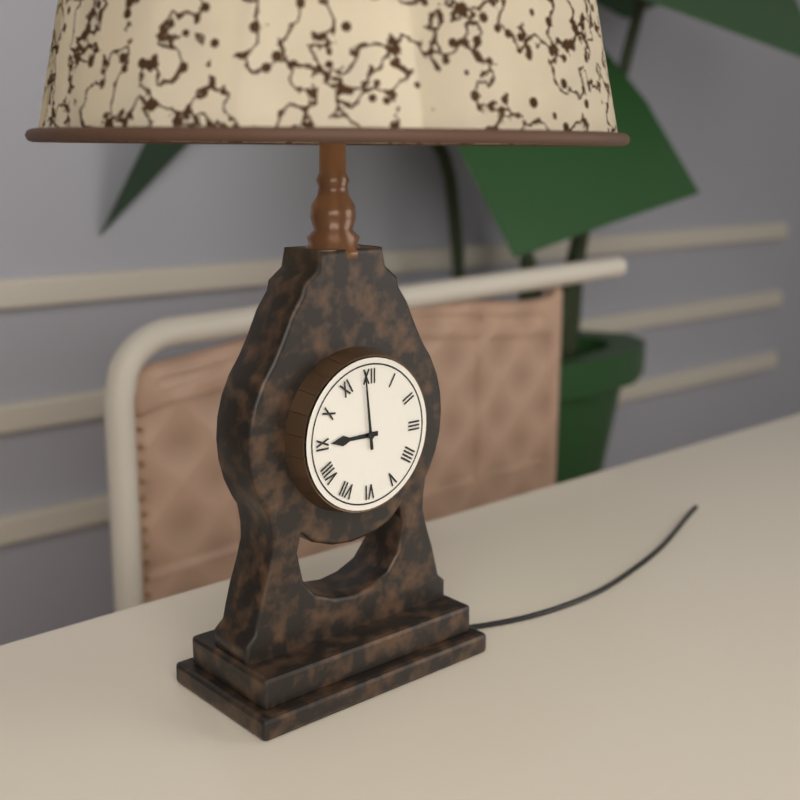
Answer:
{"hour": 8, "minute": 59}
